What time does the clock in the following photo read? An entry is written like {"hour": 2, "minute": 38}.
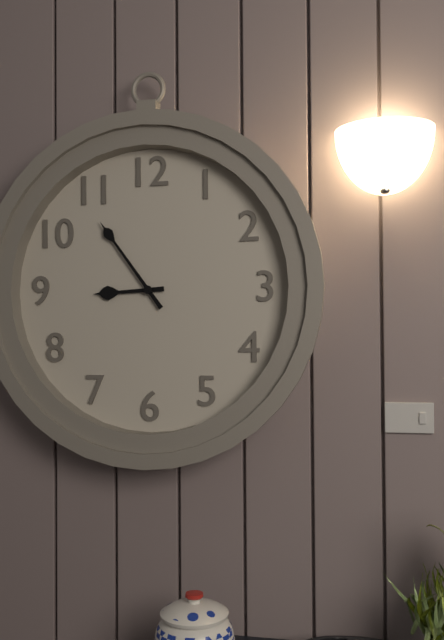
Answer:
{"hour": 8, "minute": 54}
